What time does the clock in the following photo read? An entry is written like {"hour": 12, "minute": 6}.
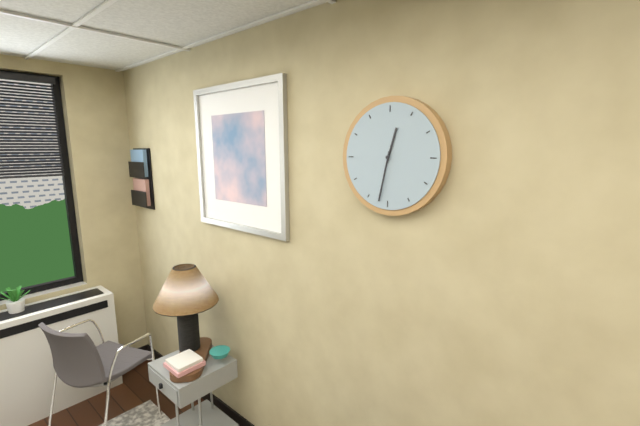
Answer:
{"hour": 12, "minute": 32}
